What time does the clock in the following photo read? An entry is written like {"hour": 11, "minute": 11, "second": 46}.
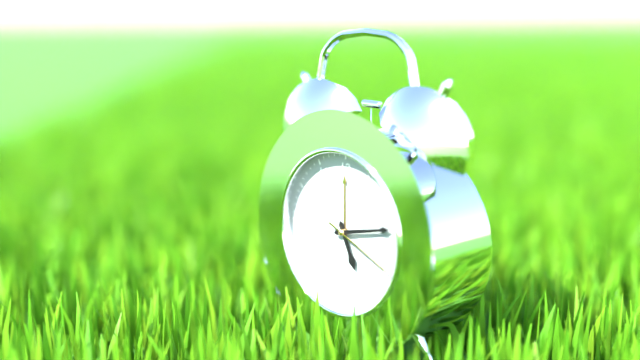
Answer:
{"hour": 5, "minute": 13, "second": 19}
